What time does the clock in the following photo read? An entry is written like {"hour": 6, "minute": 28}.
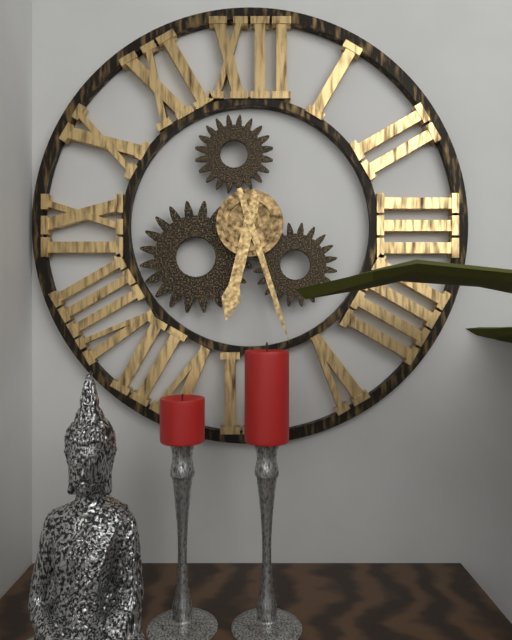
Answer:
{"hour": 6, "minute": 27}
